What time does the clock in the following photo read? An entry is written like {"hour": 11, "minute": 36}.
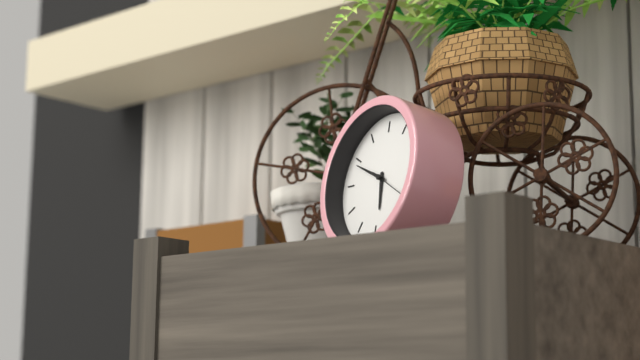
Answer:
{"hour": 5, "minute": 49}
